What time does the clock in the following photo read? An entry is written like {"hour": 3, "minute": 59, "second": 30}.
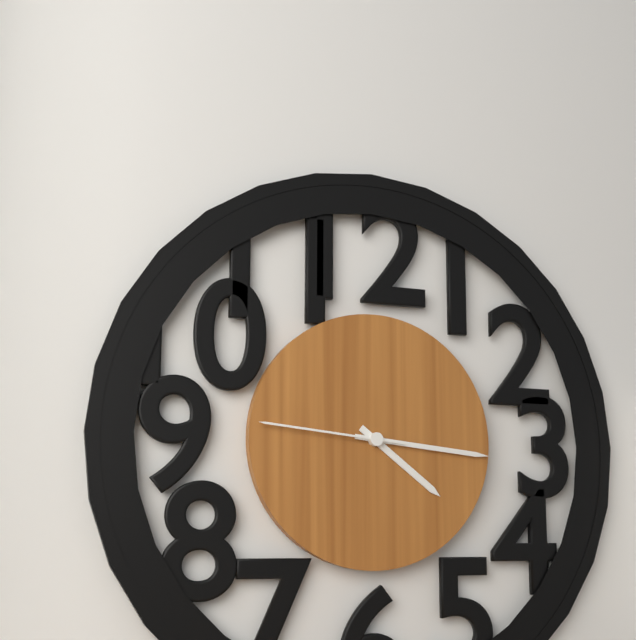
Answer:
{"hour": 4, "minute": 16, "second": 46}
